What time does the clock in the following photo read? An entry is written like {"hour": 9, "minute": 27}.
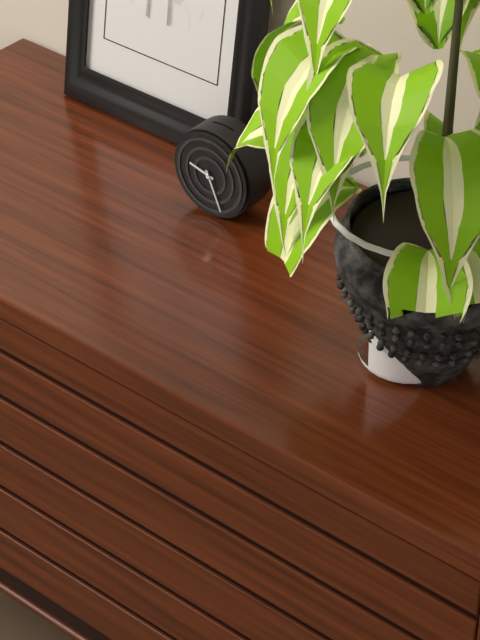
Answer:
{"hour": 9, "minute": 26}
